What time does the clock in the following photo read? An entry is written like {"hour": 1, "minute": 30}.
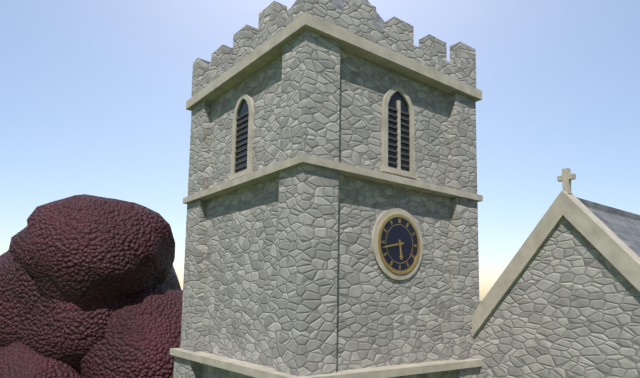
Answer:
{"hour": 5, "minute": 43}
